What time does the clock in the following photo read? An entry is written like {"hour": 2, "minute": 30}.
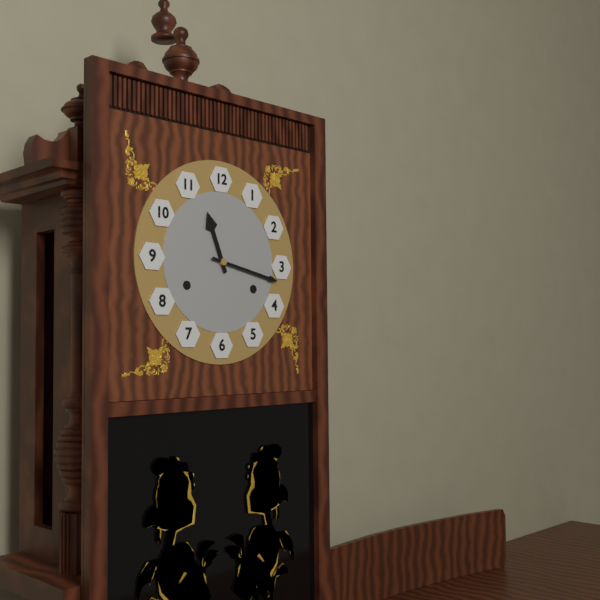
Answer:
{"hour": 11, "minute": 17}
